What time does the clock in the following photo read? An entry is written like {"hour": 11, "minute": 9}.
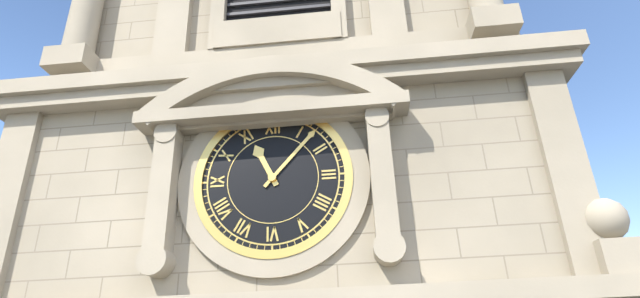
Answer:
{"hour": 11, "minute": 7}
